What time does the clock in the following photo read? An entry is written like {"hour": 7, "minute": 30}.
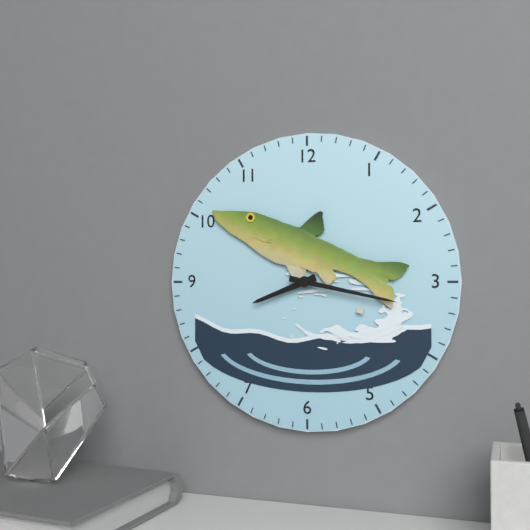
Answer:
{"hour": 8, "minute": 17}
